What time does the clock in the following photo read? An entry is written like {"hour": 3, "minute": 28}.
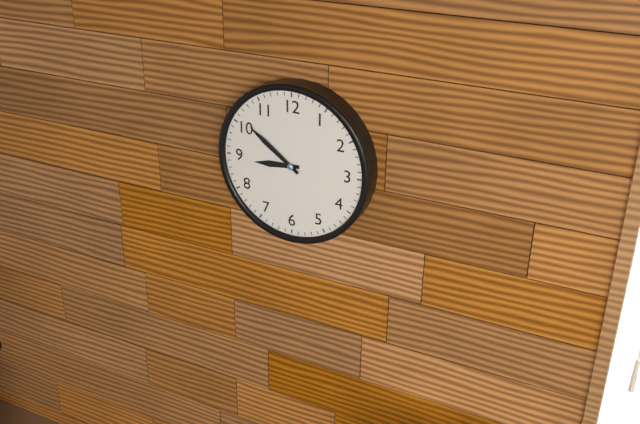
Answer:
{"hour": 8, "minute": 51}
